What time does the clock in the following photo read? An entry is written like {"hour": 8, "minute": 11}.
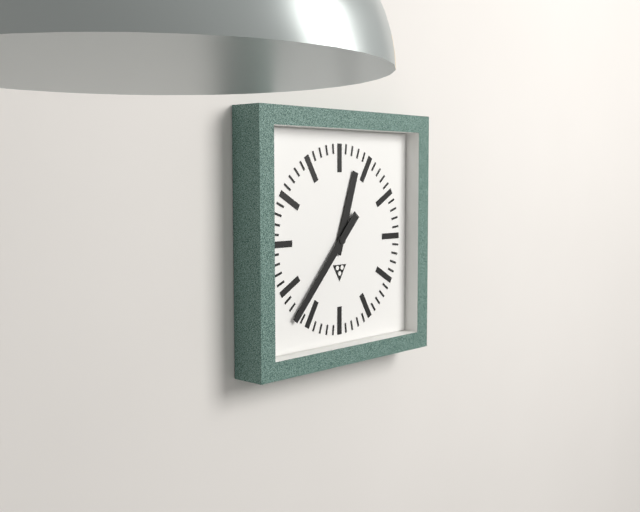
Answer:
{"hour": 12, "minute": 37}
